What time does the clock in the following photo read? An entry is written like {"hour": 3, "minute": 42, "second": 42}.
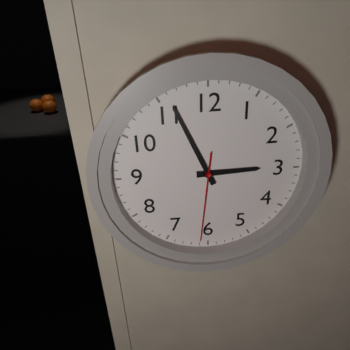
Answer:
{"hour": 2, "minute": 56, "second": 31}
